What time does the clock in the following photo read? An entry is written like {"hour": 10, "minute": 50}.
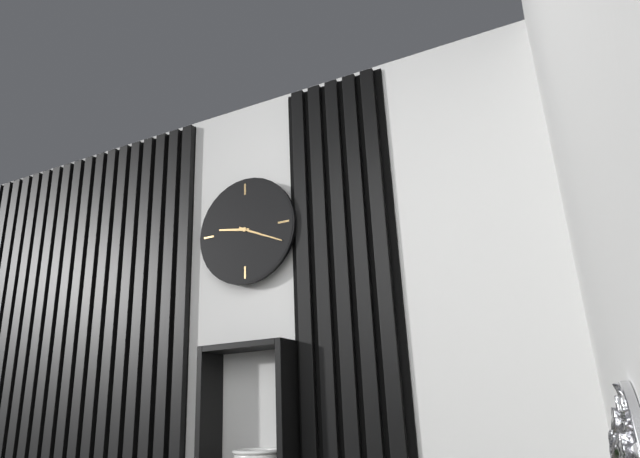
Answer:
{"hour": 9, "minute": 19}
